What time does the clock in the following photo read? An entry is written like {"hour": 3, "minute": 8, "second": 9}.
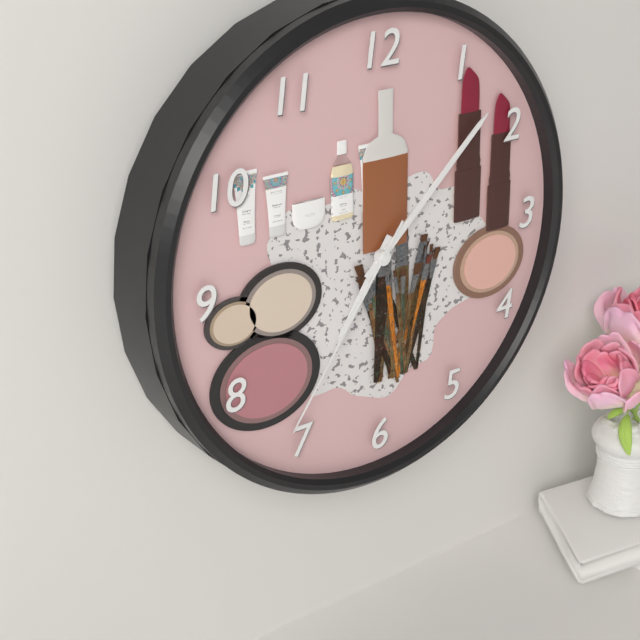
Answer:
{"hour": 7, "minute": 8, "second": 36}
